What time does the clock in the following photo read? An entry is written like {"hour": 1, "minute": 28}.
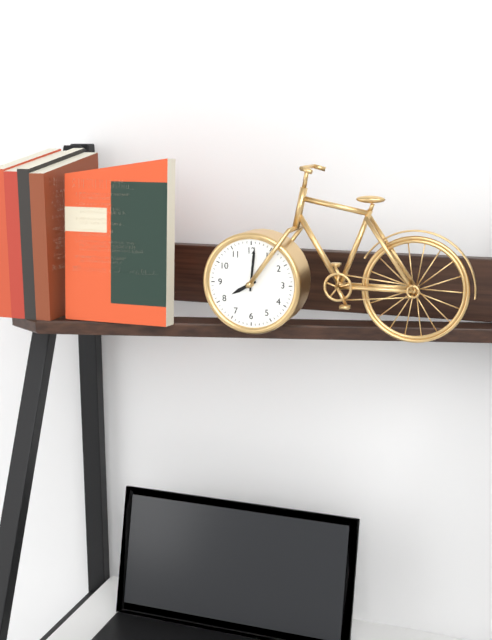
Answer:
{"hour": 8, "minute": 1}
